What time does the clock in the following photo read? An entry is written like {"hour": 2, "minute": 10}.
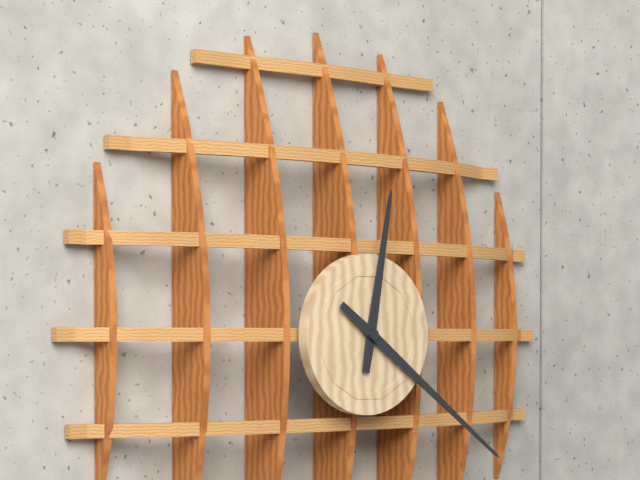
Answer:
{"hour": 12, "minute": 21}
